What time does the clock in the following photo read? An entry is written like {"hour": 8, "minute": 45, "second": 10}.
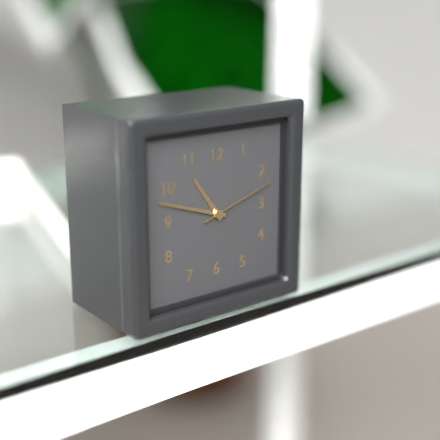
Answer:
{"hour": 10, "minute": 48, "second": 12}
